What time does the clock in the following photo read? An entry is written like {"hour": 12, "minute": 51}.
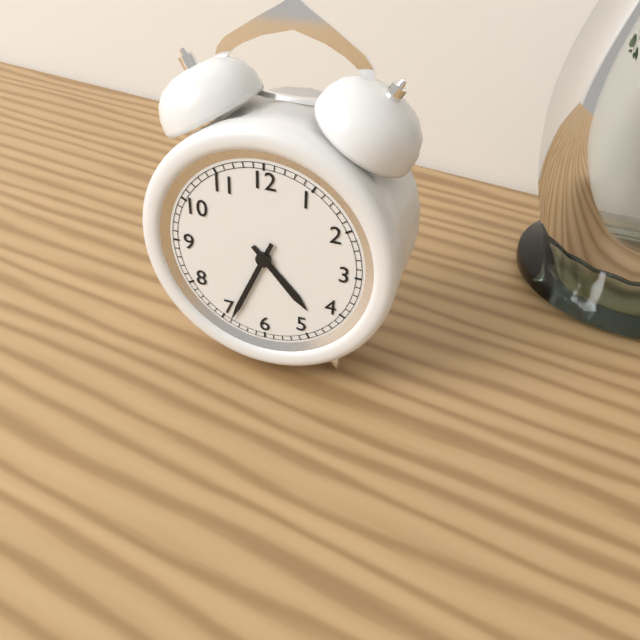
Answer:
{"hour": 4, "minute": 34}
